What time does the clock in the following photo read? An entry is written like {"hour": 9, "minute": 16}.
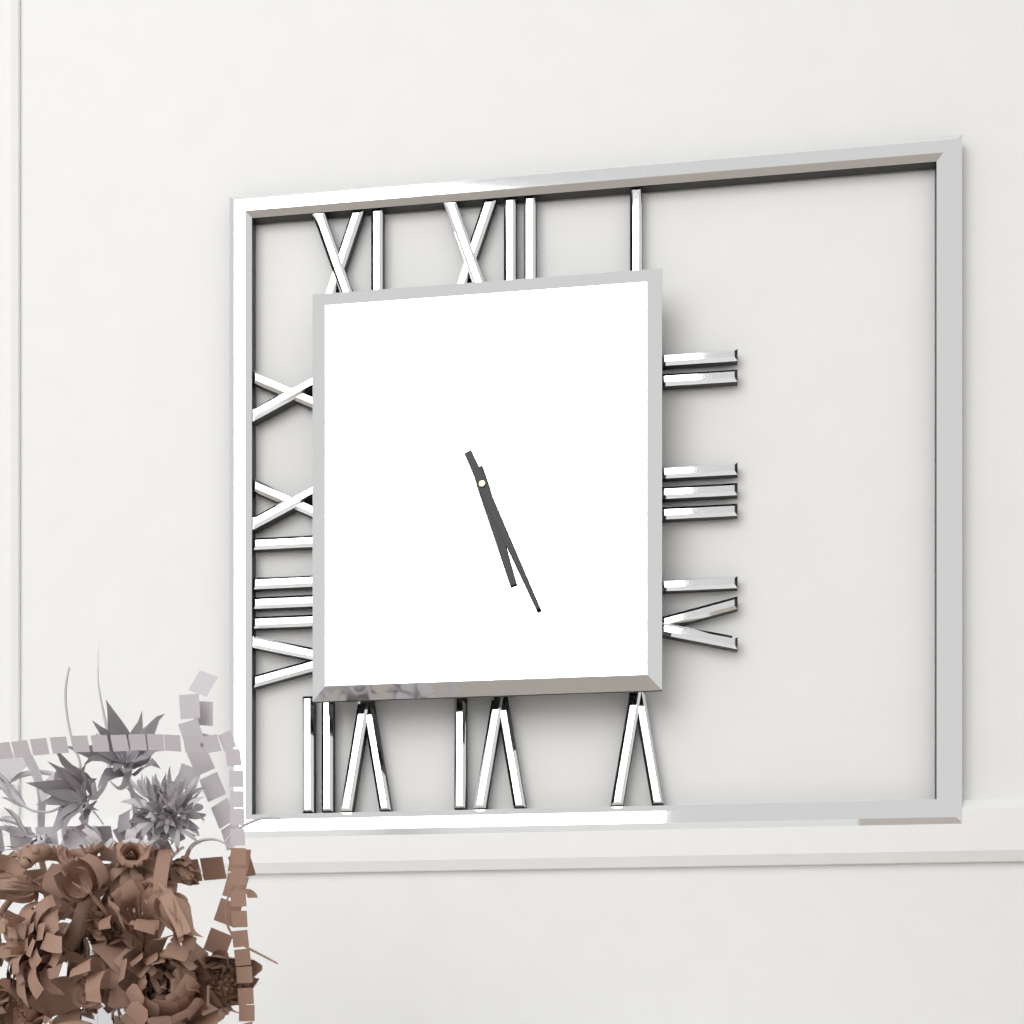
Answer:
{"hour": 5, "minute": 26}
